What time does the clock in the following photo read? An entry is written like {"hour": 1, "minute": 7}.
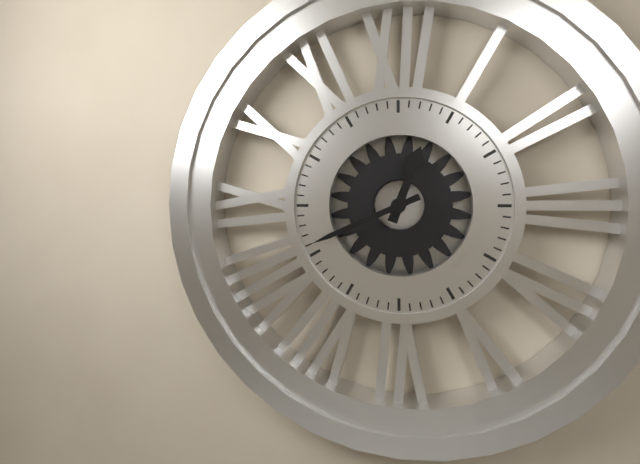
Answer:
{"hour": 12, "minute": 41}
